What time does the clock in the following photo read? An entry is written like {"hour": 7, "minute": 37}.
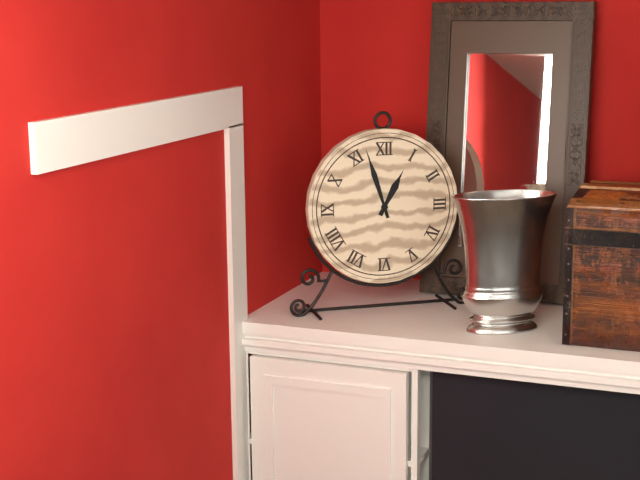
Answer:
{"hour": 12, "minute": 57}
